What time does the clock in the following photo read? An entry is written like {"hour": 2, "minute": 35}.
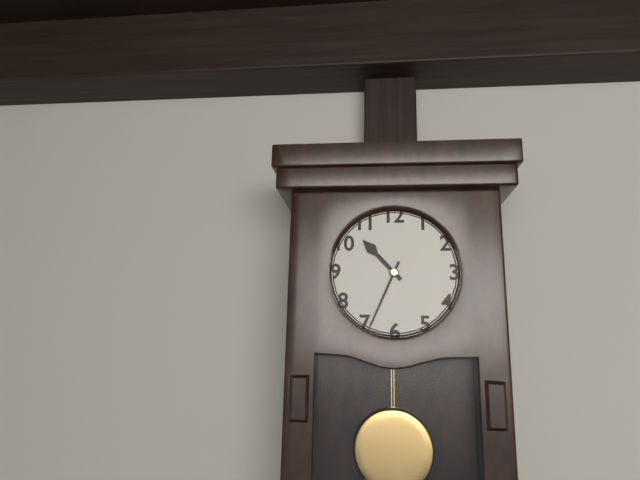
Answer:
{"hour": 10, "minute": 34}
